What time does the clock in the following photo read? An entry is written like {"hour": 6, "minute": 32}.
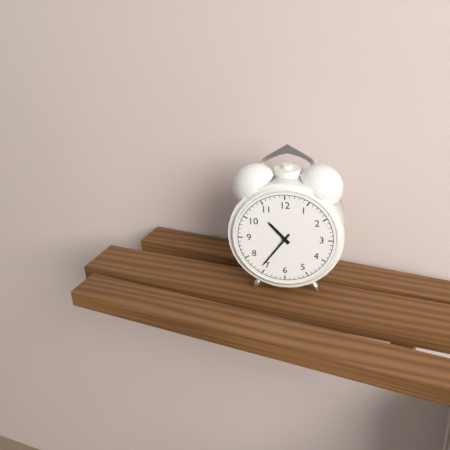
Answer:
{"hour": 10, "minute": 36}
